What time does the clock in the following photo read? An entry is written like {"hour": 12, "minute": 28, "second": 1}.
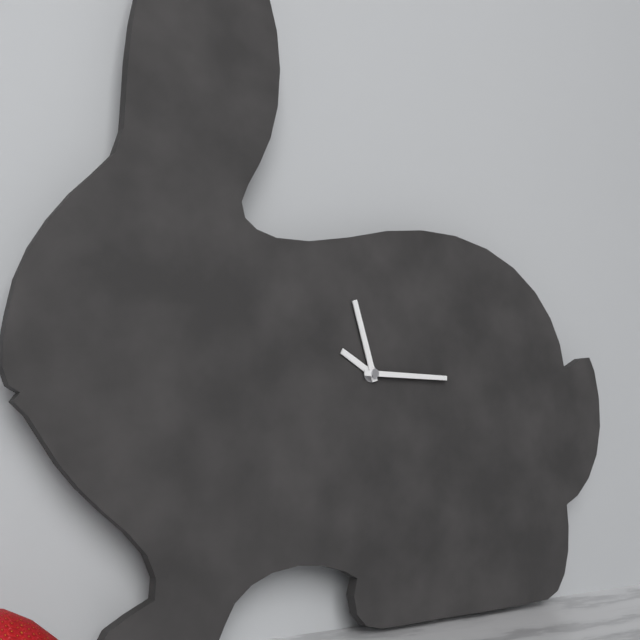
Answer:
{"hour": 9, "minute": 57, "second": 15}
